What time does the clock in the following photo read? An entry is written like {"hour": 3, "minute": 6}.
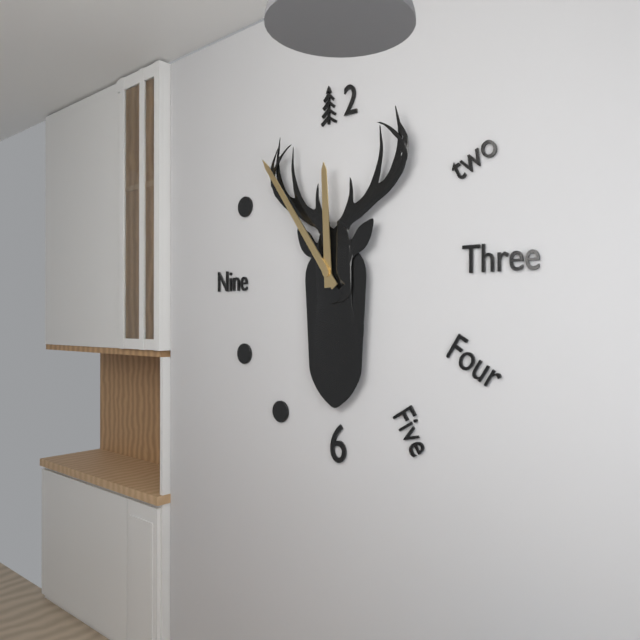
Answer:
{"hour": 11, "minute": 54}
